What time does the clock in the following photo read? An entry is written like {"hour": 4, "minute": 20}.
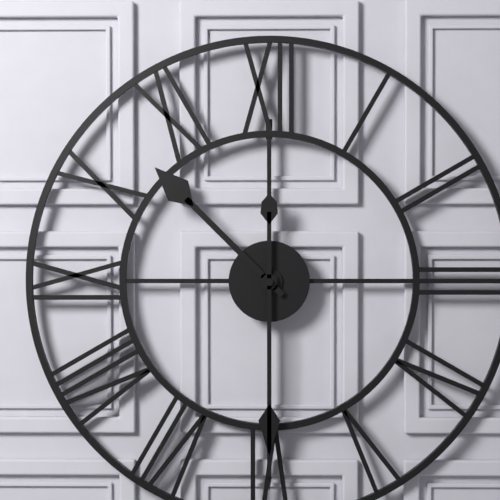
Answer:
{"hour": 10, "minute": 30}
